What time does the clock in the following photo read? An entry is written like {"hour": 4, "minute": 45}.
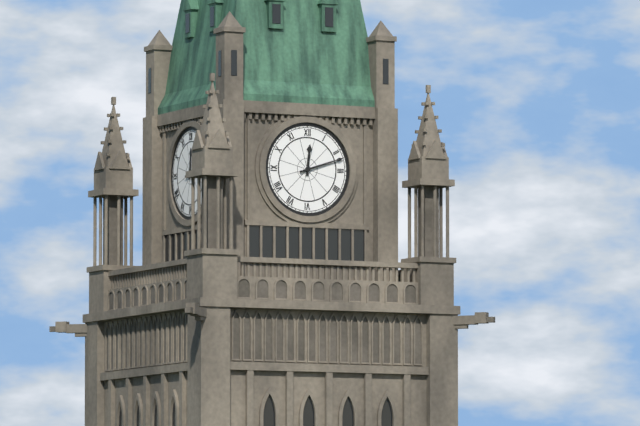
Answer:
{"hour": 12, "minute": 12}
